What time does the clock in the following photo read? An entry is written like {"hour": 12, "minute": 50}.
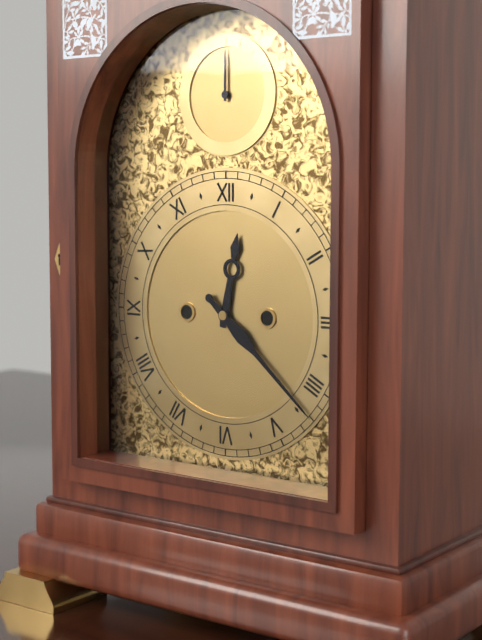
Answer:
{"hour": 12, "minute": 22}
